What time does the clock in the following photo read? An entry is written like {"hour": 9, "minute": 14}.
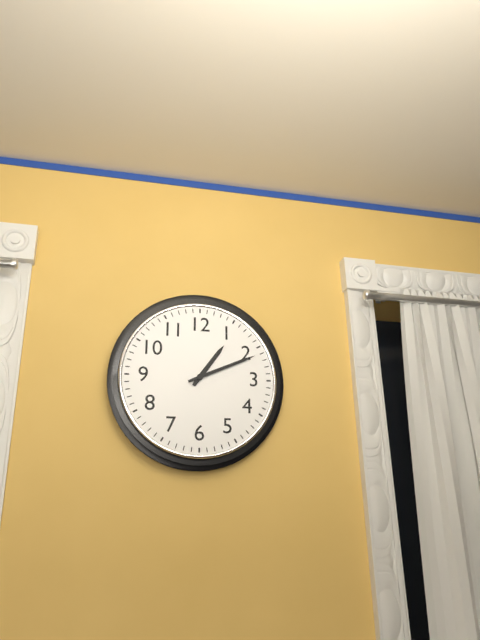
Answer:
{"hour": 1, "minute": 11}
